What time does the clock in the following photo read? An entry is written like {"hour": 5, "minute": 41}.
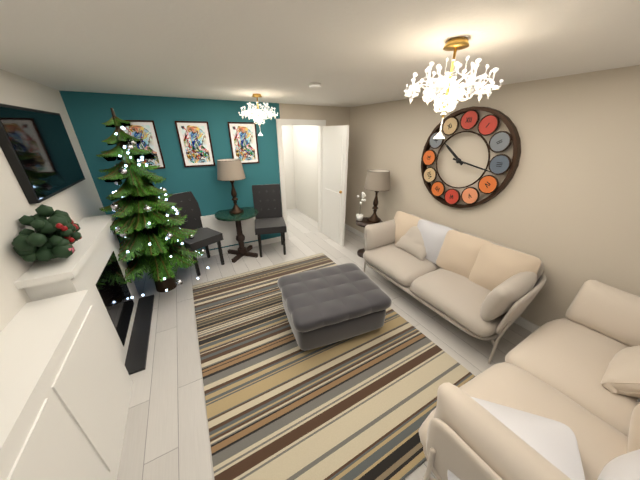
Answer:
{"hour": 10, "minute": 17}
